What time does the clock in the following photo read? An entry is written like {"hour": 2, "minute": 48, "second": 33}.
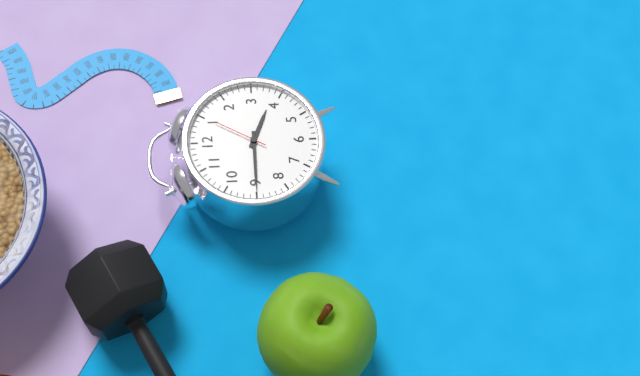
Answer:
{"hour": 3, "minute": 45, "second": 5}
